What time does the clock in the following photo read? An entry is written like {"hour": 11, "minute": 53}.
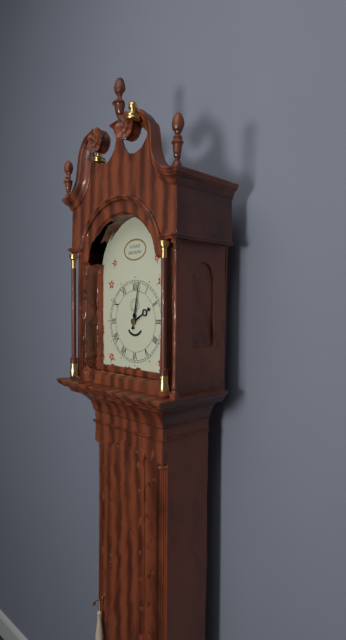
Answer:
{"hour": 2, "minute": 2}
